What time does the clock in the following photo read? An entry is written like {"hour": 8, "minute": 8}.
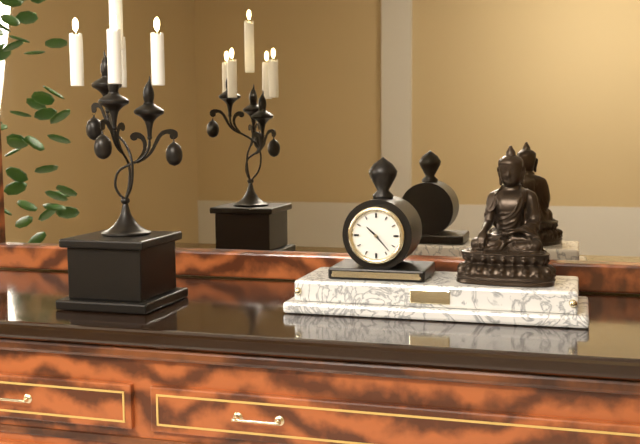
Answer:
{"hour": 10, "minute": 23}
